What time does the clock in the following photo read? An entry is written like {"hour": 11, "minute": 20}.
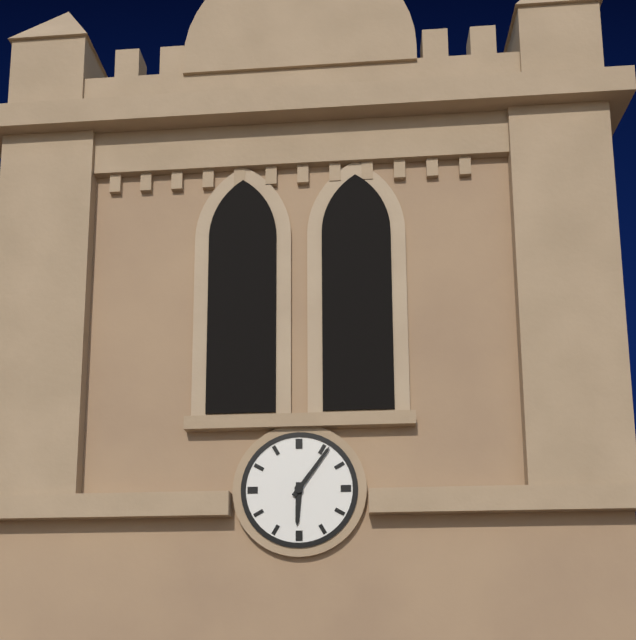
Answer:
{"hour": 6, "minute": 6}
